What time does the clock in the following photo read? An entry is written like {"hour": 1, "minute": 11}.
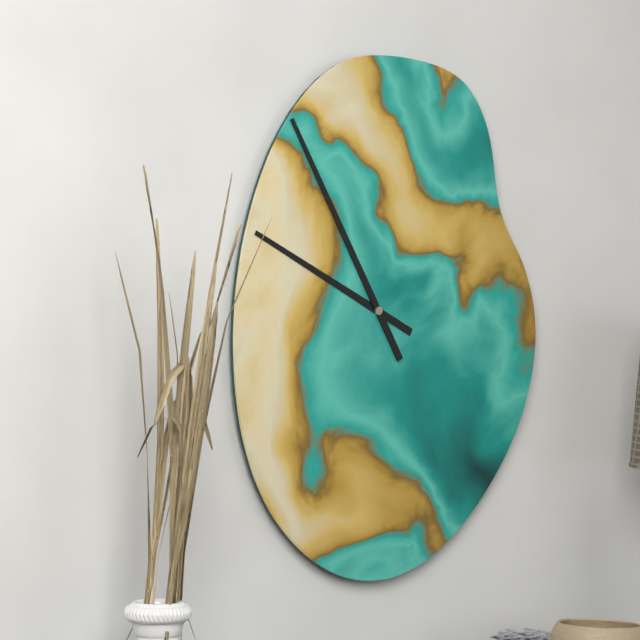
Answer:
{"hour": 9, "minute": 55}
